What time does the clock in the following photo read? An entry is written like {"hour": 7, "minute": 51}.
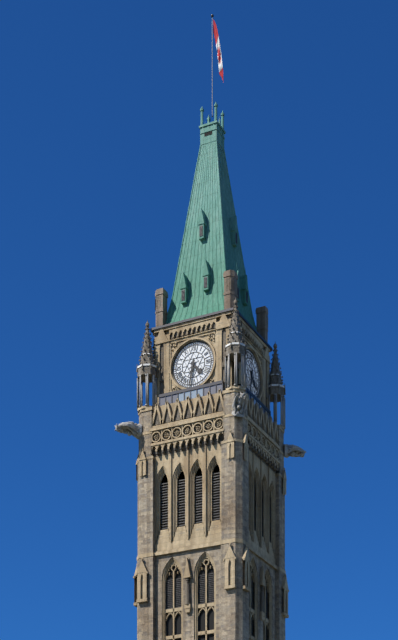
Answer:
{"hour": 4, "minute": 32}
